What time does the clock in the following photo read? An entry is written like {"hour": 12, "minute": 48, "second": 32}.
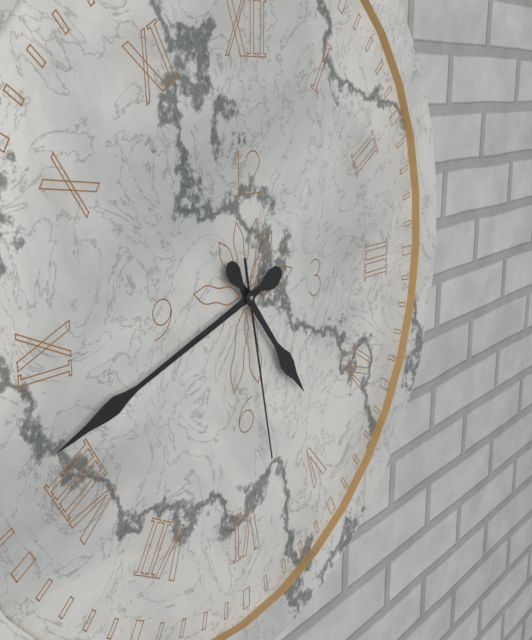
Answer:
{"hour": 4, "minute": 42, "second": 28}
